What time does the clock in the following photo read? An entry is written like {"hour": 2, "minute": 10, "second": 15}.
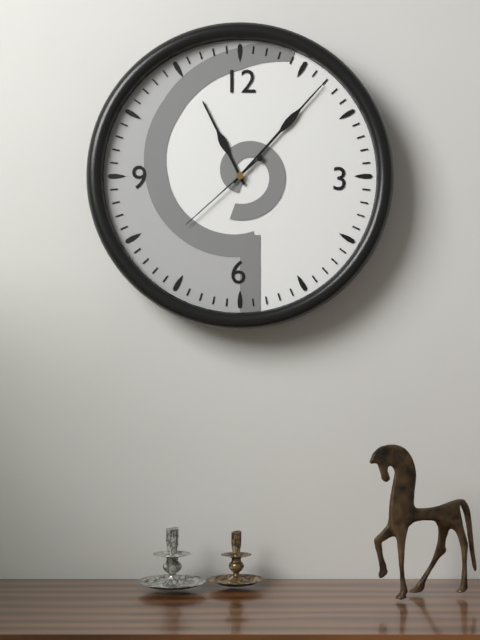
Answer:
{"hour": 11, "minute": 7, "second": 38}
